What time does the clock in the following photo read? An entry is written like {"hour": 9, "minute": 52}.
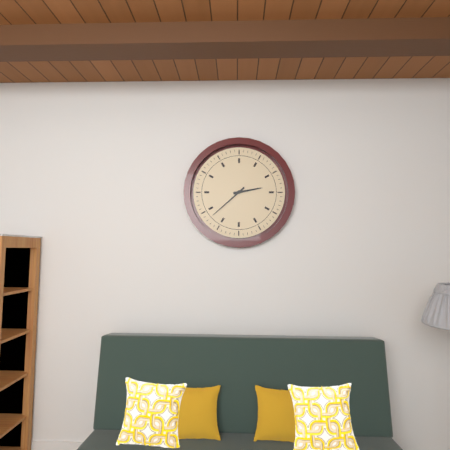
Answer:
{"hour": 2, "minute": 38}
